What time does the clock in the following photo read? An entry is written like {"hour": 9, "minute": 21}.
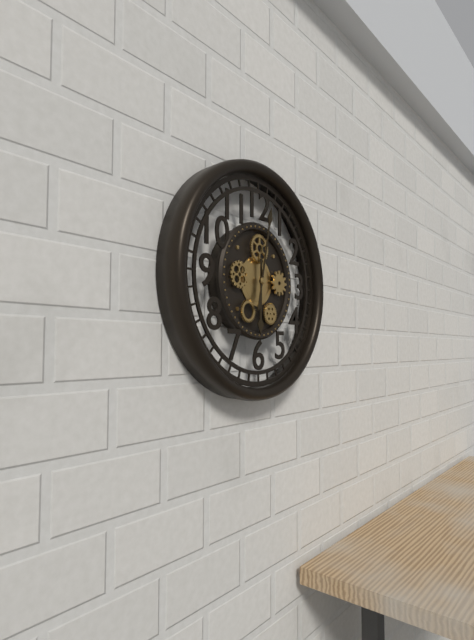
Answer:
{"hour": 6, "minute": 2}
